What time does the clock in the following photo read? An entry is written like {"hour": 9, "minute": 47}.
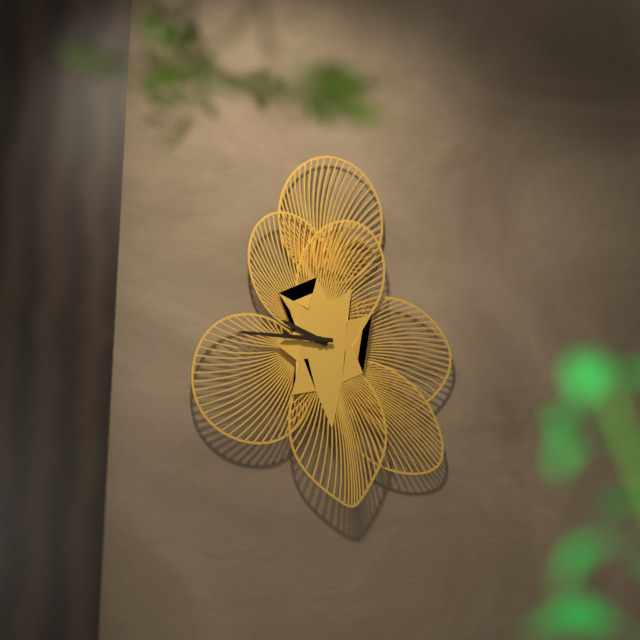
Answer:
{"hour": 9, "minute": 45}
